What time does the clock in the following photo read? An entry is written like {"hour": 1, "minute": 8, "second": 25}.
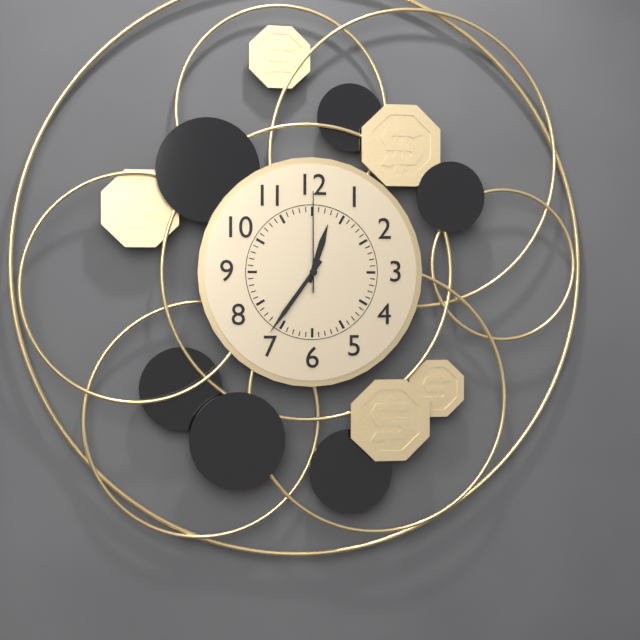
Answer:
{"hour": 12, "minute": 36, "second": 0}
